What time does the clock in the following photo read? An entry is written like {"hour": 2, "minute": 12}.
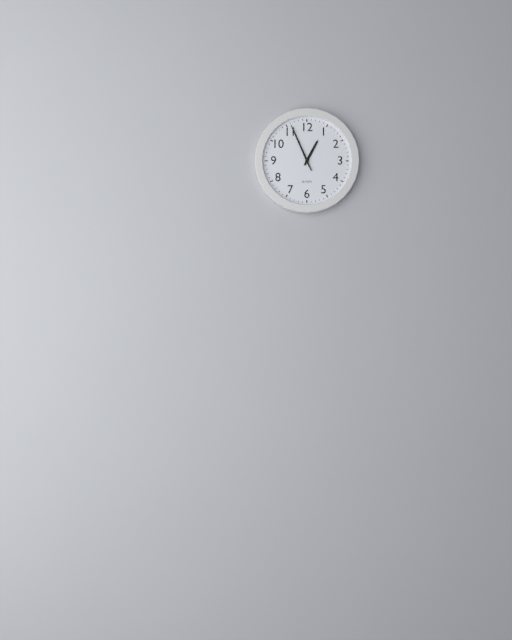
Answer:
{"hour": 12, "minute": 56}
